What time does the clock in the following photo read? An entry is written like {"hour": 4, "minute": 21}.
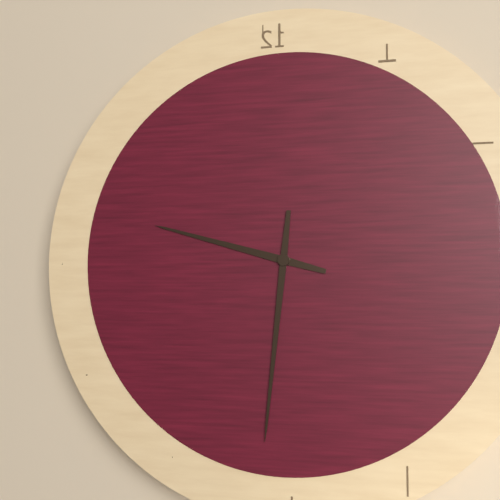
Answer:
{"hour": 9, "minute": 31}
